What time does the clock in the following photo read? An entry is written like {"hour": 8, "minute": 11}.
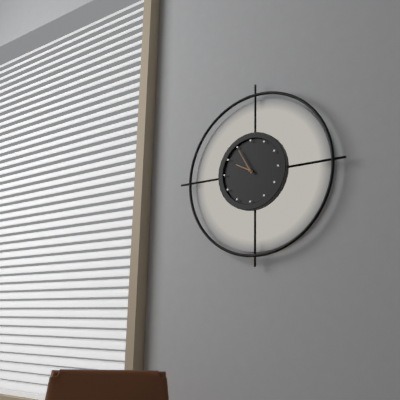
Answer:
{"hour": 9, "minute": 55}
